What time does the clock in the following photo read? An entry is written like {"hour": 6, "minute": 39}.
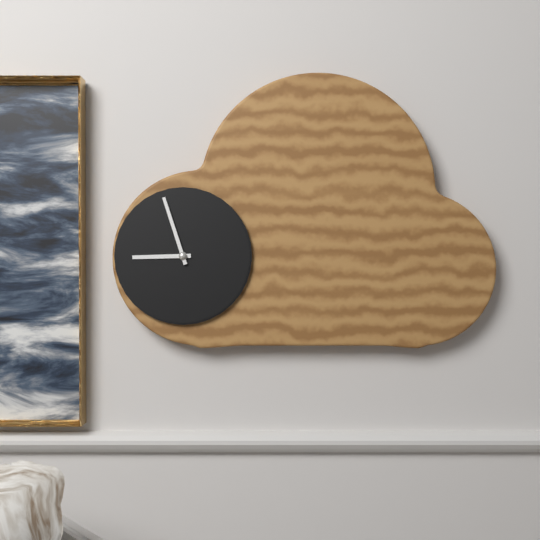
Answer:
{"hour": 8, "minute": 57}
